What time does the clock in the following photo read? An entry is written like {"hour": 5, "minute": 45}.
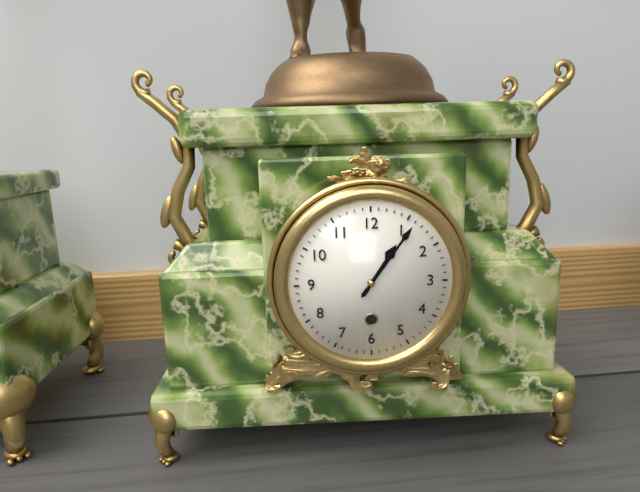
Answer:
{"hour": 1, "minute": 6}
